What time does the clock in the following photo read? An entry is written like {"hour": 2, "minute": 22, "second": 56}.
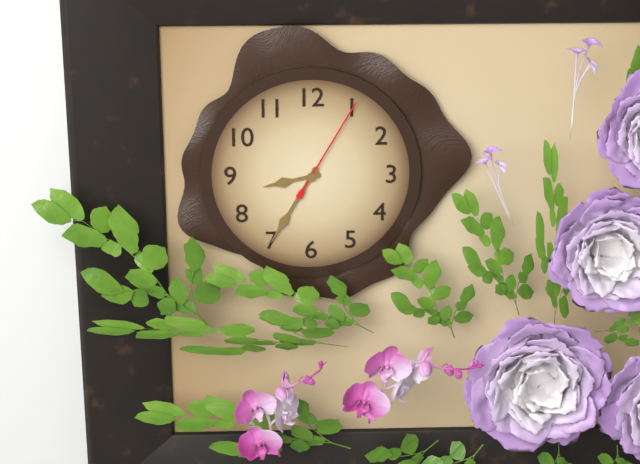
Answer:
{"hour": 8, "minute": 35, "second": 5}
